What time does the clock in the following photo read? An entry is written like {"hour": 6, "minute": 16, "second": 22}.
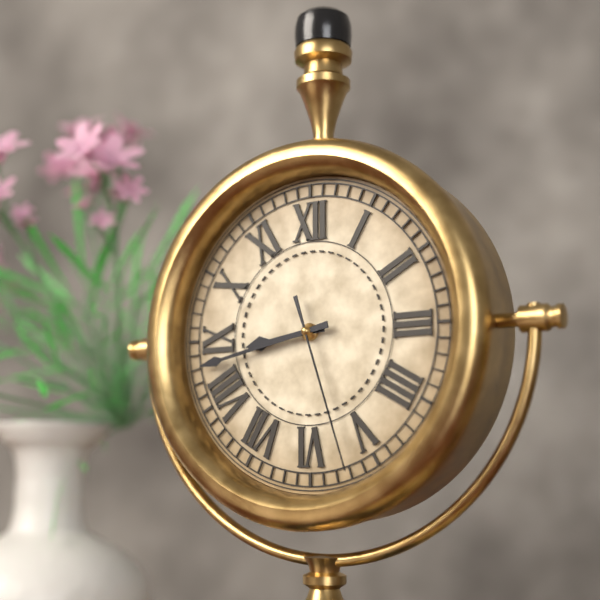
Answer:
{"hour": 8, "minute": 43, "second": 27}
